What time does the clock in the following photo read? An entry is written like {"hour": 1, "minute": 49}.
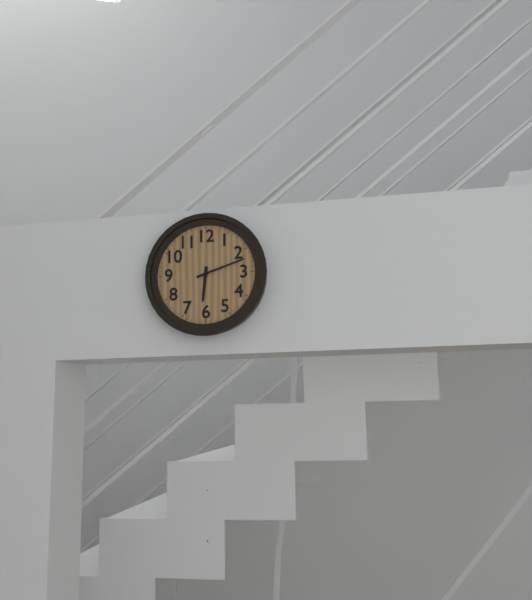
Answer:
{"hour": 6, "minute": 12}
